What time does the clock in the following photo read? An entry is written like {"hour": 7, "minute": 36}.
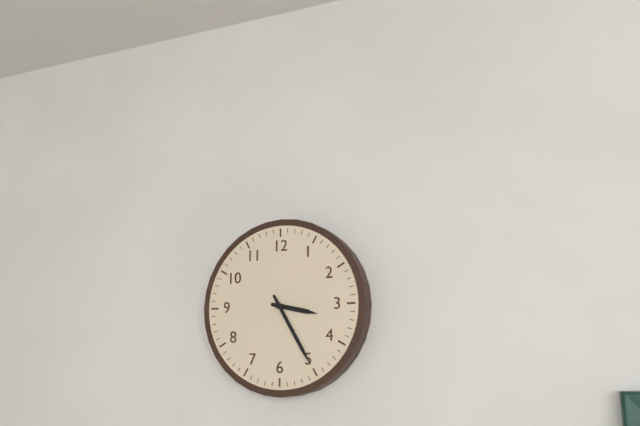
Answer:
{"hour": 3, "minute": 25}
